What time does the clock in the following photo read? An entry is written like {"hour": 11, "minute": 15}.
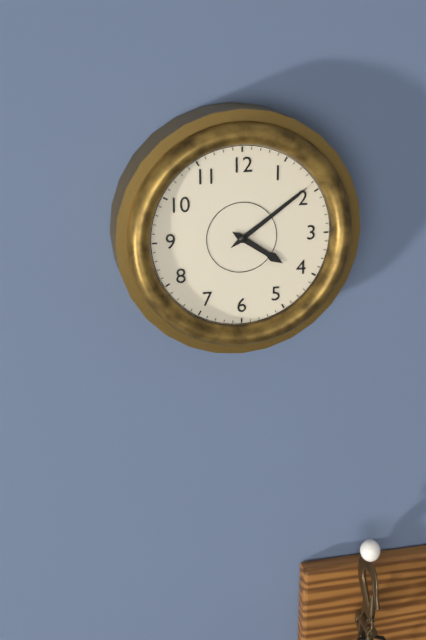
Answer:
{"hour": 4, "minute": 9}
